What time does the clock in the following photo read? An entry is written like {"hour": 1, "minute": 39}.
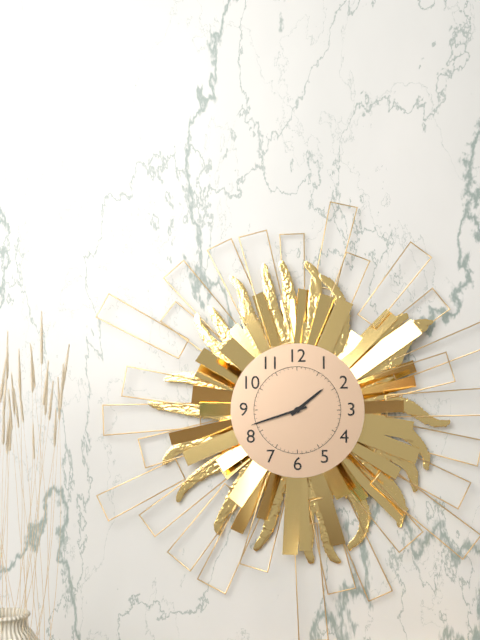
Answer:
{"hour": 1, "minute": 42}
